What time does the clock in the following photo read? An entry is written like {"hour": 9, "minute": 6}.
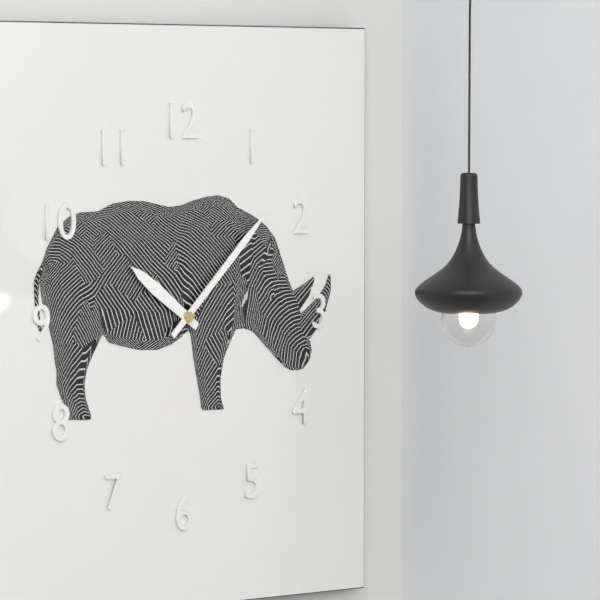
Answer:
{"hour": 10, "minute": 8}
